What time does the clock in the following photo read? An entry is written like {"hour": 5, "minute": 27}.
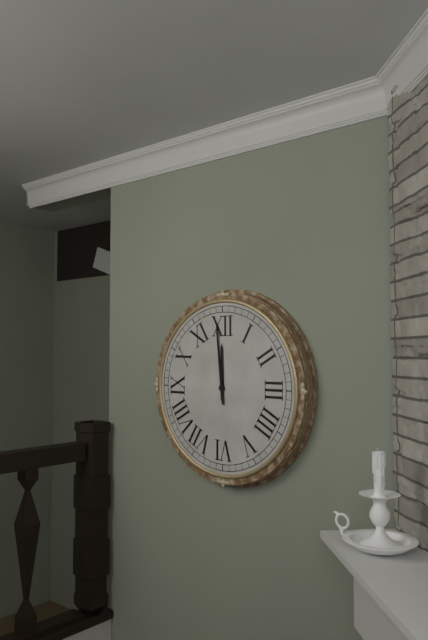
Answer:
{"hour": 11, "minute": 59}
